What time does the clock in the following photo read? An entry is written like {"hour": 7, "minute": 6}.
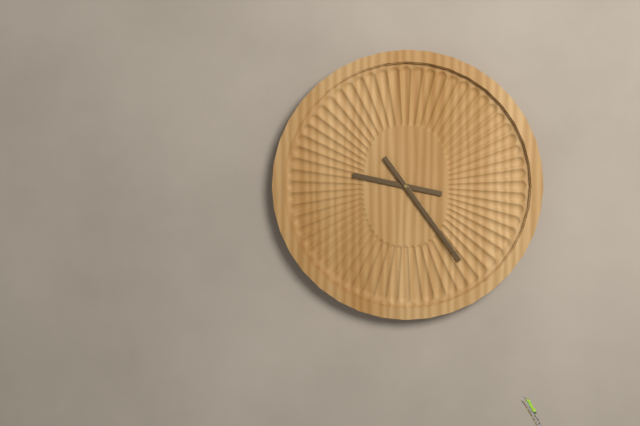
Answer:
{"hour": 9, "minute": 24}
